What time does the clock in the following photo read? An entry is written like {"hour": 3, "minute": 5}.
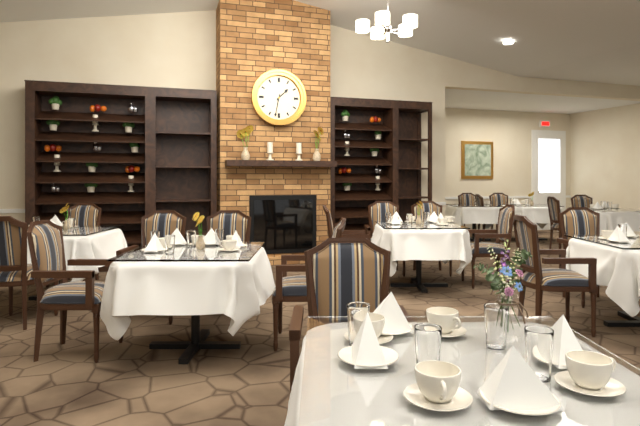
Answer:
{"hour": 1, "minute": 32}
